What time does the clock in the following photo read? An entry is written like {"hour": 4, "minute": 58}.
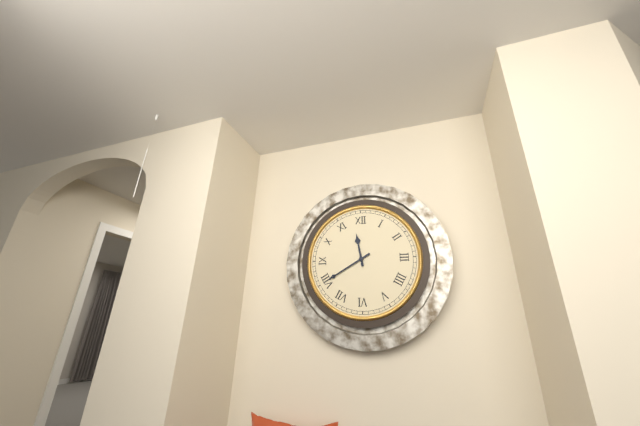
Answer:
{"hour": 11, "minute": 40}
